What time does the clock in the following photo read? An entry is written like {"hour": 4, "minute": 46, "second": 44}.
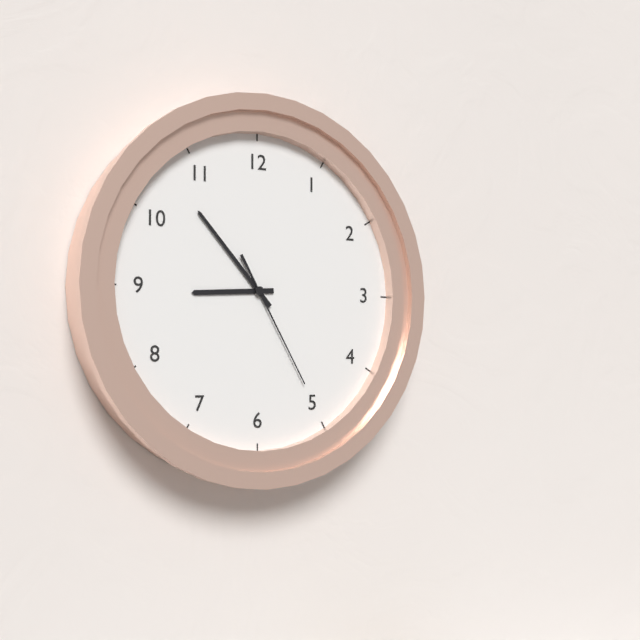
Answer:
{"hour": 8, "minute": 53, "second": 25}
